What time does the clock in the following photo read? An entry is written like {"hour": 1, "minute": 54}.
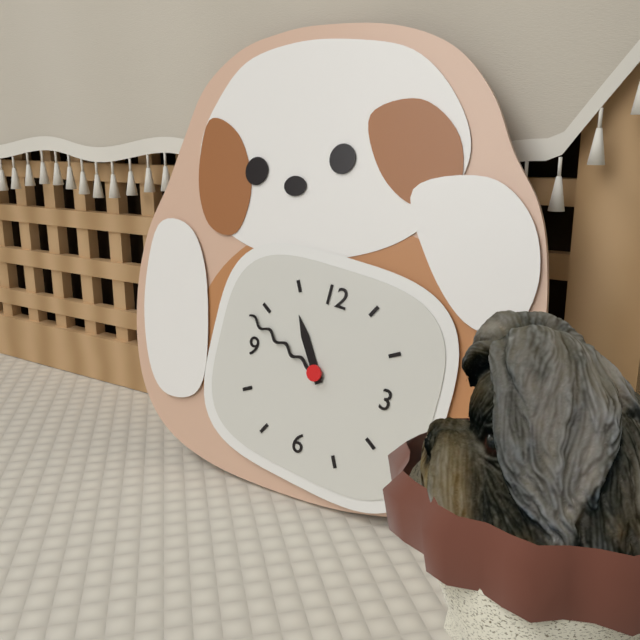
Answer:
{"hour": 10, "minute": 48}
